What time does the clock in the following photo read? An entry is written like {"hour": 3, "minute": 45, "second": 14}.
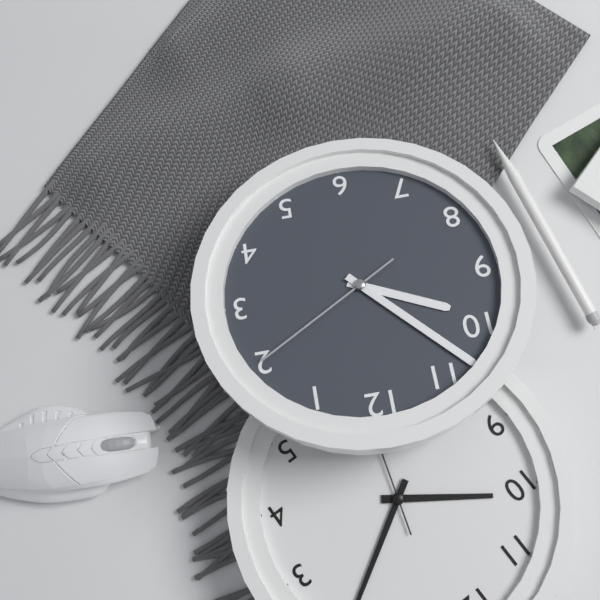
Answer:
{"hour": 9, "minute": 53, "second": 10}
